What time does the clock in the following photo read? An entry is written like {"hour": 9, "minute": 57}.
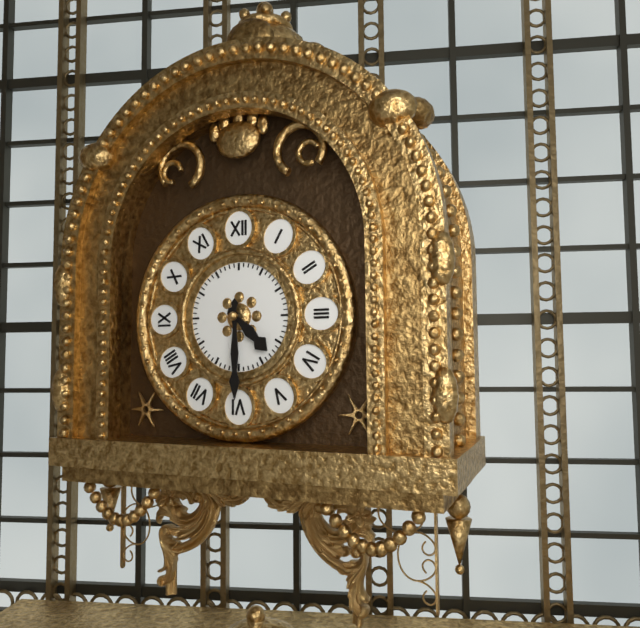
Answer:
{"hour": 4, "minute": 30}
